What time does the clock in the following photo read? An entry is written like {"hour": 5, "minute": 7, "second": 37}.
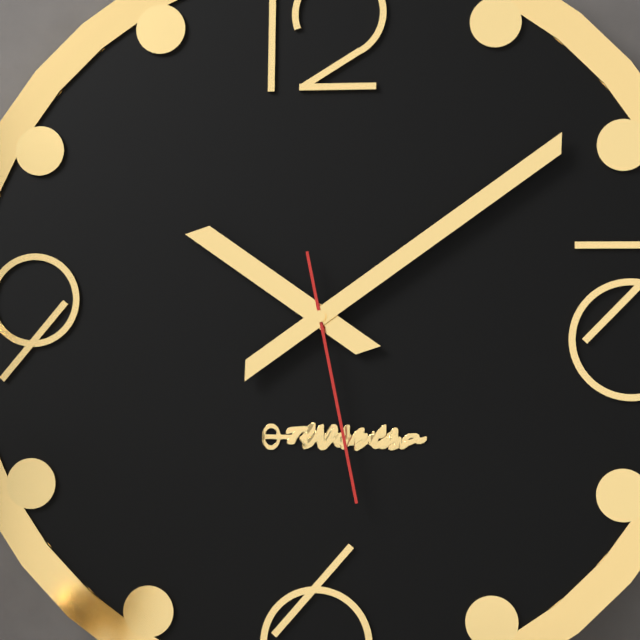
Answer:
{"hour": 10, "minute": 9, "second": 28}
